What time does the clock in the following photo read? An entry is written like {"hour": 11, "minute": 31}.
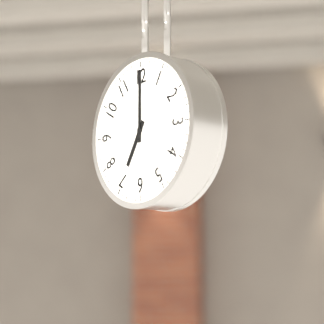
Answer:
{"hour": 7, "minute": 0}
